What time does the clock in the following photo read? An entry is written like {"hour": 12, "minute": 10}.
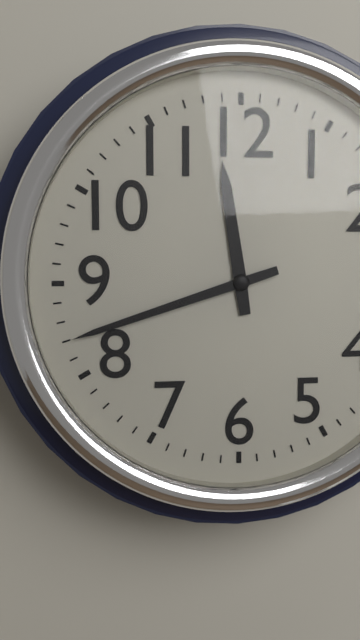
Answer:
{"hour": 11, "minute": 42}
